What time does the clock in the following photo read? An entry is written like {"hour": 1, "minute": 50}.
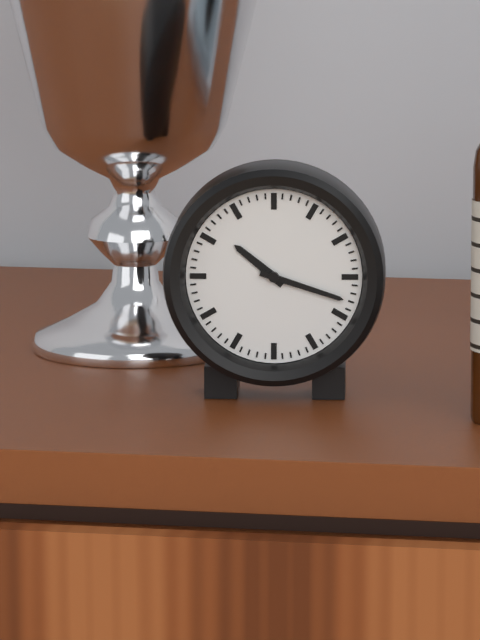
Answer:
{"hour": 10, "minute": 18}
